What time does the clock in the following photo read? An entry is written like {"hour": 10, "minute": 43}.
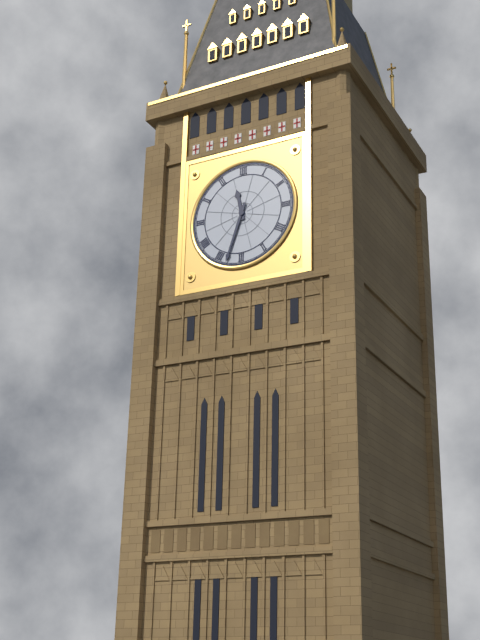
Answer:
{"hour": 11, "minute": 33}
